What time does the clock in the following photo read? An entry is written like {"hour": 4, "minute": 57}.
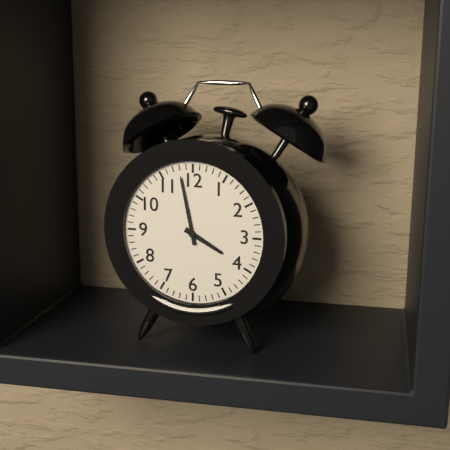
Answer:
{"hour": 3, "minute": 58}
